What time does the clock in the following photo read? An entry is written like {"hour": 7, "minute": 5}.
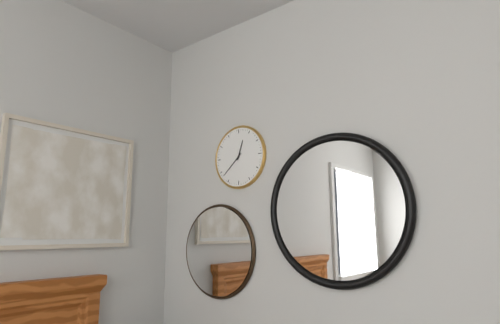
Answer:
{"hour": 12, "minute": 38}
